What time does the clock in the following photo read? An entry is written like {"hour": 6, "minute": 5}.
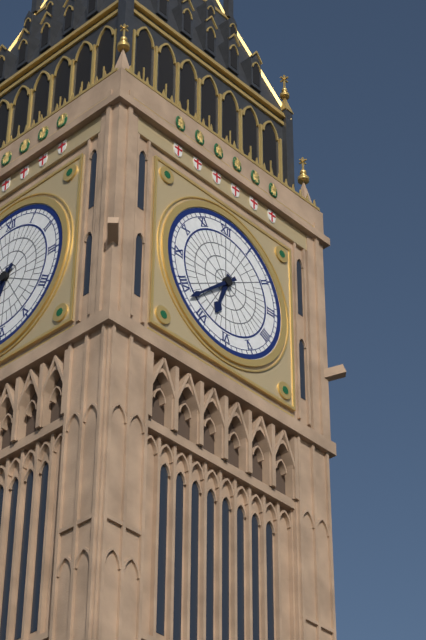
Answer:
{"hour": 6, "minute": 38}
